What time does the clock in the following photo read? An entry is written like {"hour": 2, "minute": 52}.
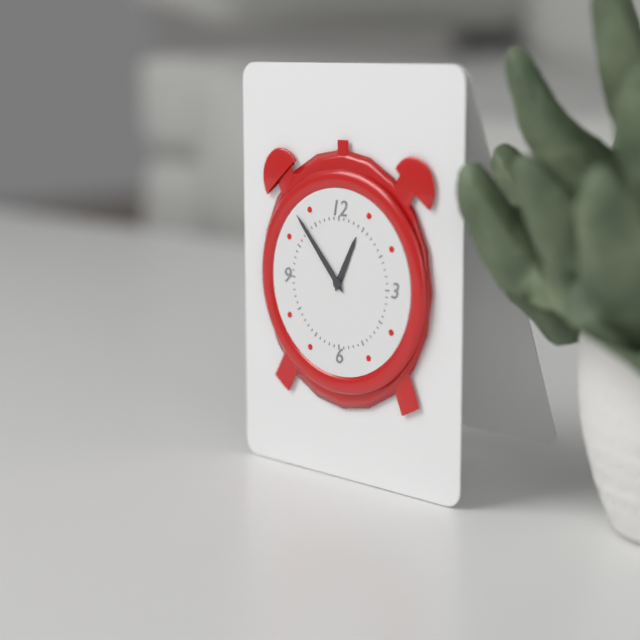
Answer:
{"hour": 12, "minute": 53}
